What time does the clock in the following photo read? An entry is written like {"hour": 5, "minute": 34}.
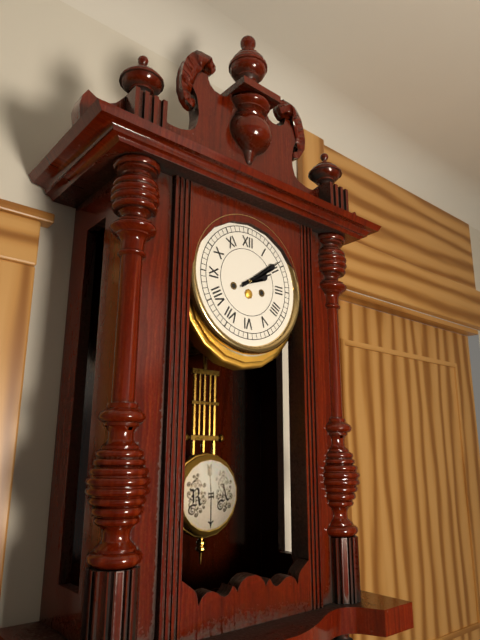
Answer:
{"hour": 2, "minute": 9}
